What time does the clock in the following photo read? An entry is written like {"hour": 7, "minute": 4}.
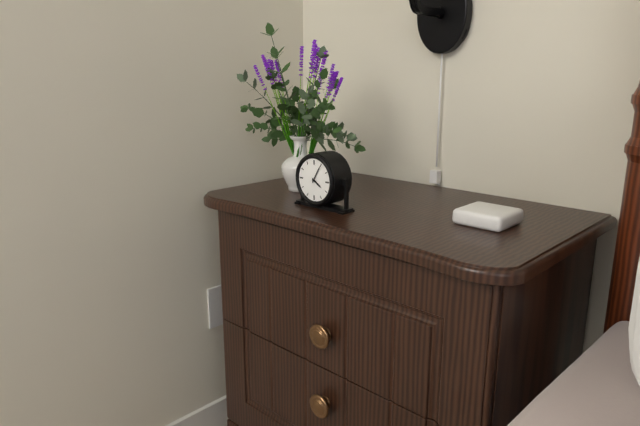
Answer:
{"hour": 4, "minute": 5}
